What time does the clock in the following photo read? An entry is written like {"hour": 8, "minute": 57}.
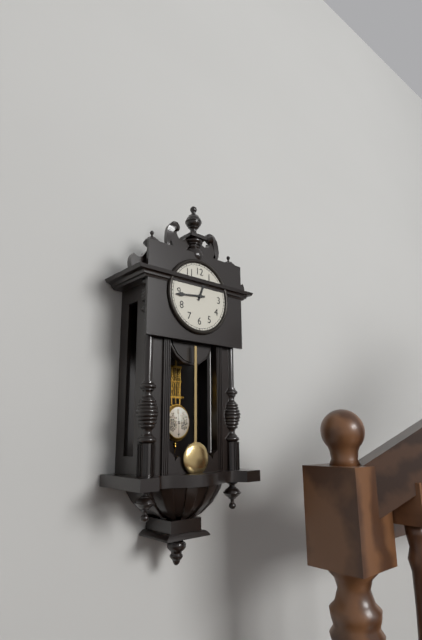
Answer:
{"hour": 12, "minute": 44}
